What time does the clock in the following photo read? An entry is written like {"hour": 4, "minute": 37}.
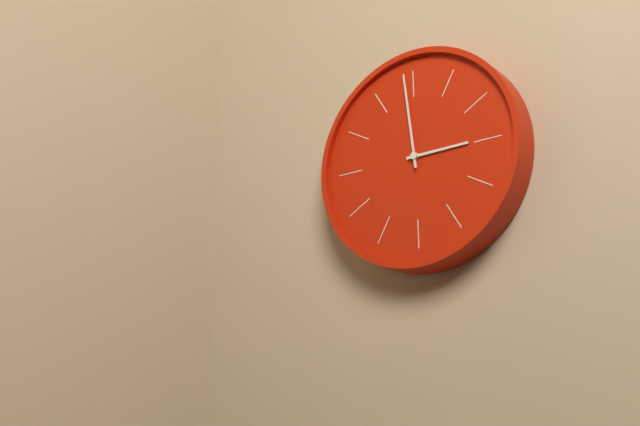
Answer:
{"hour": 2, "minute": 59}
